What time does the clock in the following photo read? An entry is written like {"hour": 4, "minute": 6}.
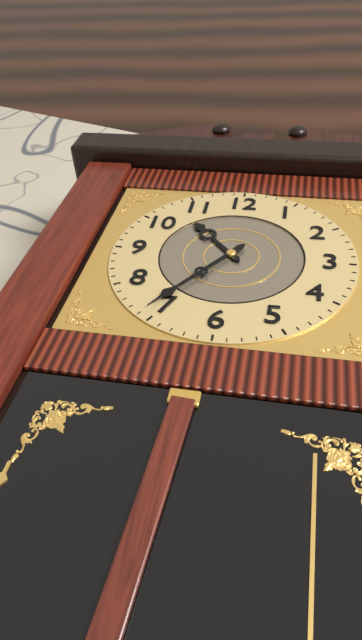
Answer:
{"hour": 10, "minute": 36}
